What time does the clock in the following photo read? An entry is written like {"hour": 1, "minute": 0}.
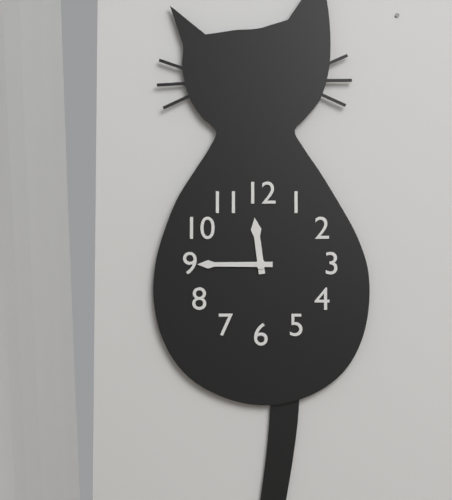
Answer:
{"hour": 11, "minute": 45}
